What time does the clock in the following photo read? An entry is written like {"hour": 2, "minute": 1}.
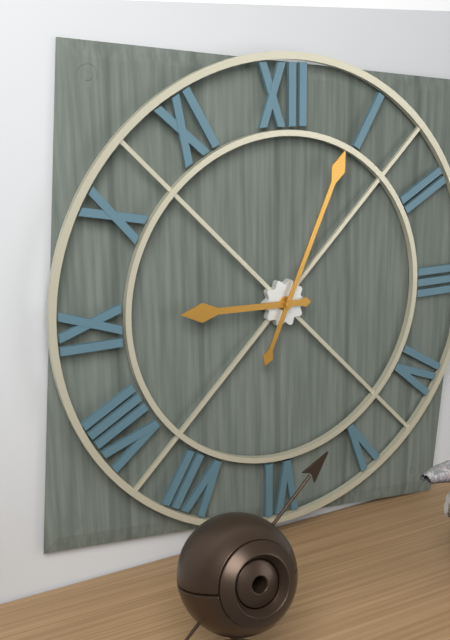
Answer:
{"hour": 9, "minute": 4}
